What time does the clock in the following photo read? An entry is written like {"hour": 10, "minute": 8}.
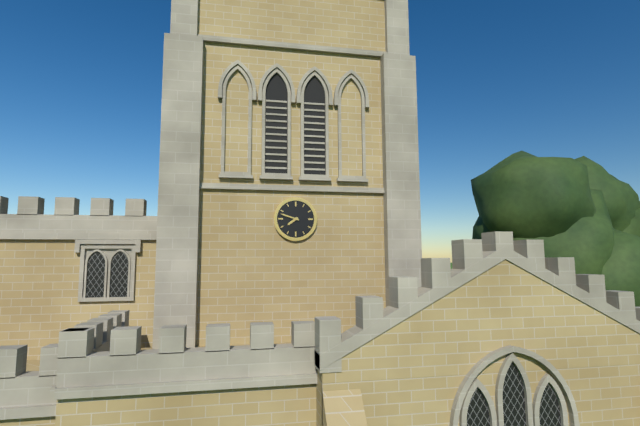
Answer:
{"hour": 7, "minute": 48}
